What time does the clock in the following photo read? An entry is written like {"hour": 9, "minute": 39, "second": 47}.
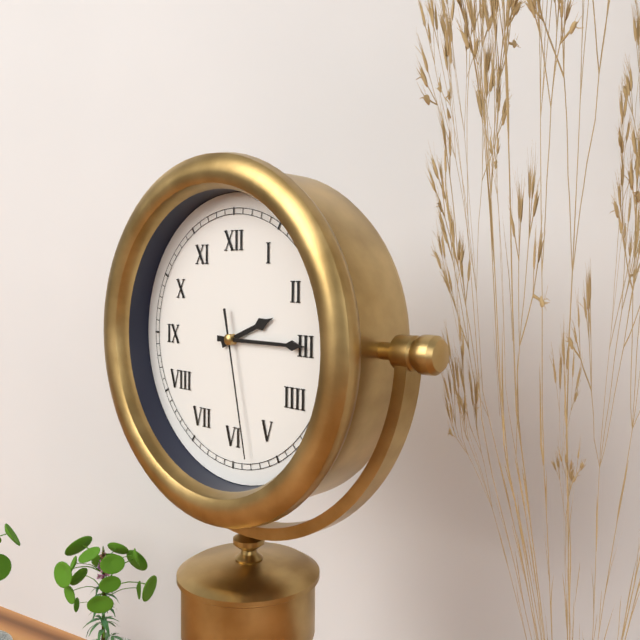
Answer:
{"hour": 2, "minute": 15, "second": 28}
